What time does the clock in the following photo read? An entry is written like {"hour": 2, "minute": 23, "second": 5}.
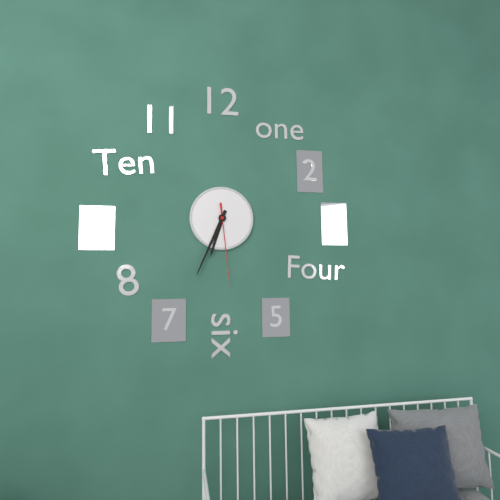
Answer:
{"hour": 6, "minute": 34, "second": 29}
